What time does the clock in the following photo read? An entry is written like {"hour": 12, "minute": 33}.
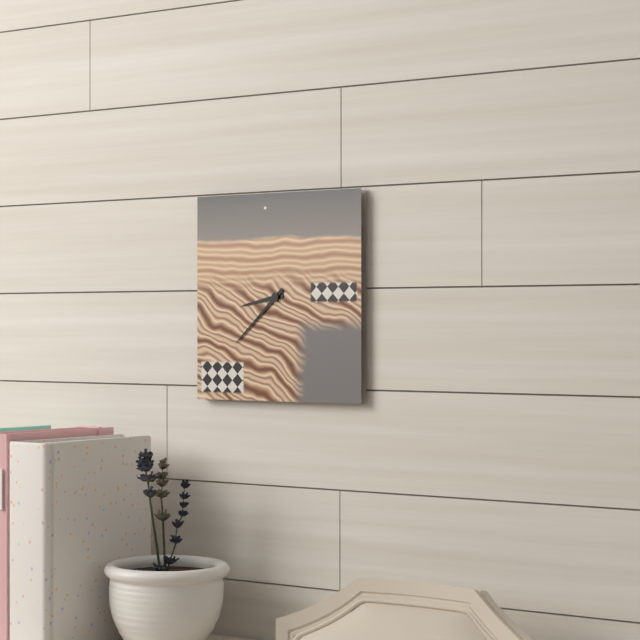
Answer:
{"hour": 8, "minute": 38}
